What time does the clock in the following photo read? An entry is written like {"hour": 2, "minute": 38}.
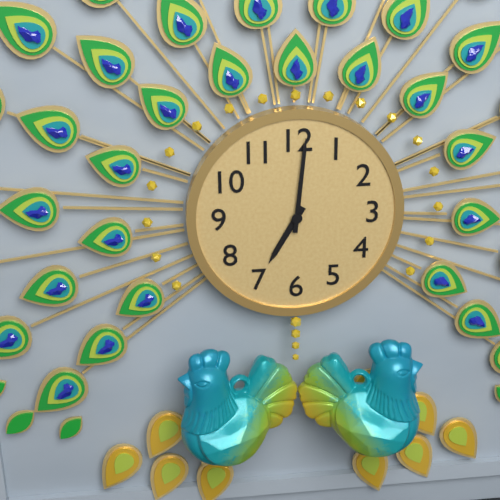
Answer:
{"hour": 7, "minute": 1}
